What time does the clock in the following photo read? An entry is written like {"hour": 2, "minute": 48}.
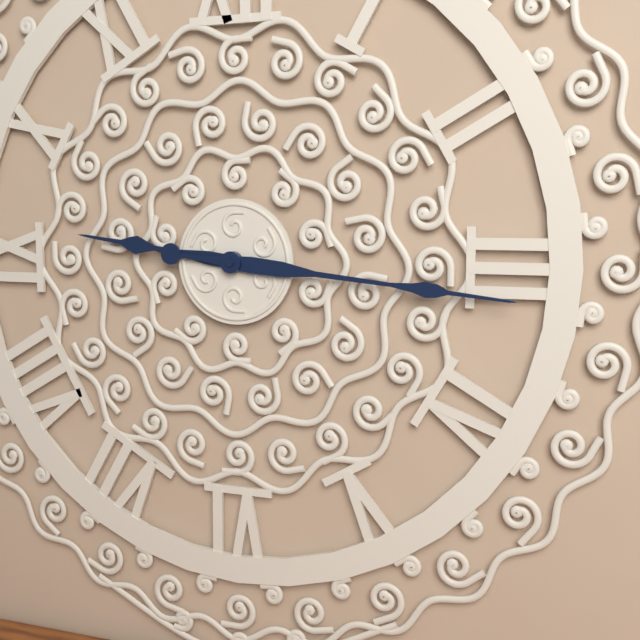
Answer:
{"hour": 9, "minute": 16}
